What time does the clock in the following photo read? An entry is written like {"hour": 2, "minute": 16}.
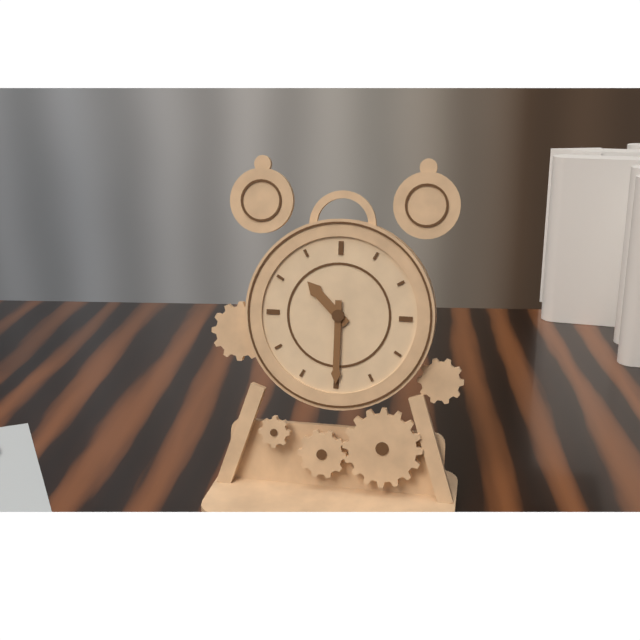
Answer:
{"hour": 10, "minute": 30}
